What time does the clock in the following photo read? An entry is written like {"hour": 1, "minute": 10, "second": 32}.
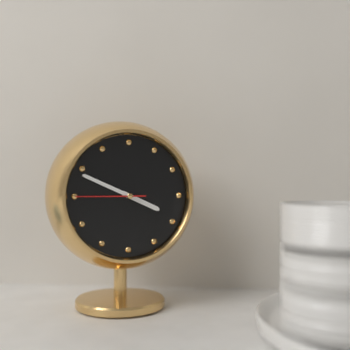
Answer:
{"hour": 3, "minute": 49, "second": 45}
